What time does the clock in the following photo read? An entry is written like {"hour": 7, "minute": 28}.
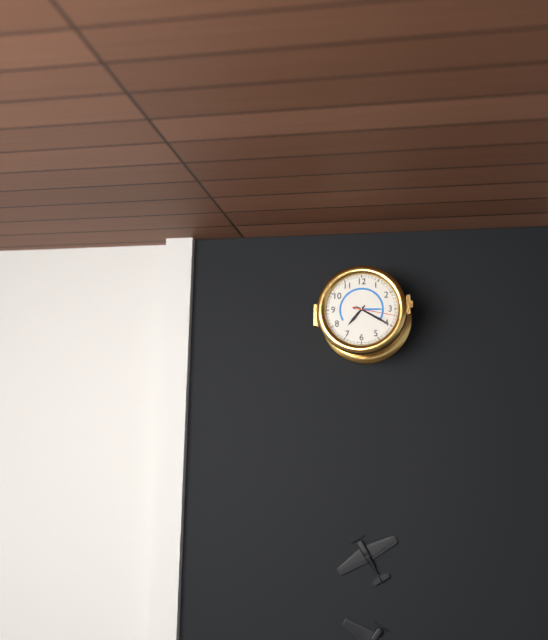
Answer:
{"hour": 7, "minute": 20}
